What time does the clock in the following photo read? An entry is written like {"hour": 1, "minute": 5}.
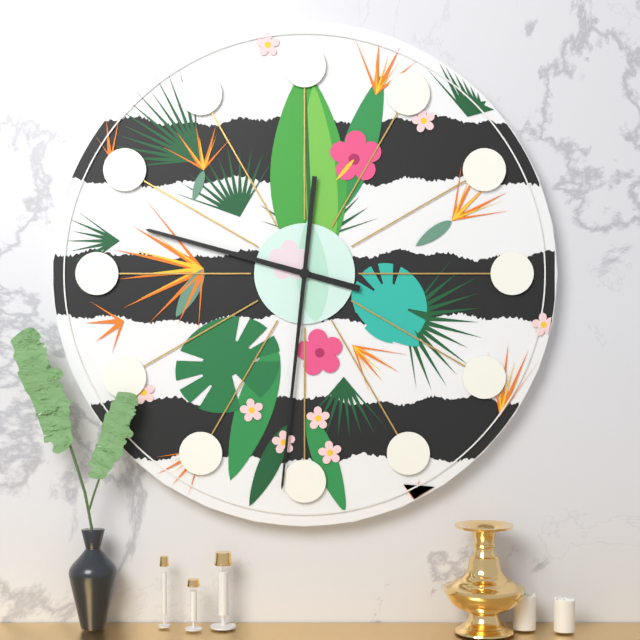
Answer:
{"hour": 9, "minute": 31}
